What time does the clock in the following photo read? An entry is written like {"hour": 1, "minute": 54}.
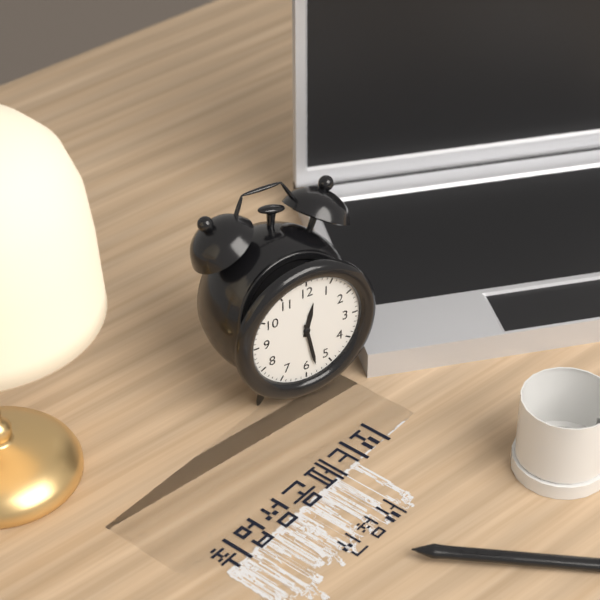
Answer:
{"hour": 12, "minute": 28}
